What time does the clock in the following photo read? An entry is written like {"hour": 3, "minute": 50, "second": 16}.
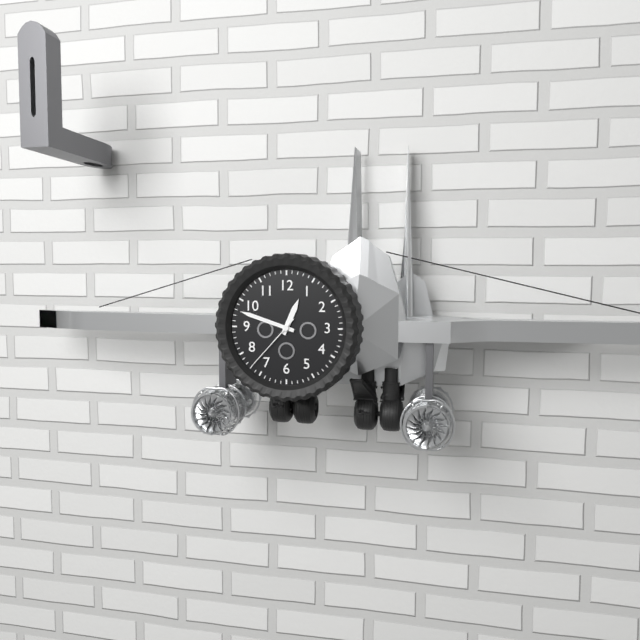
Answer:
{"hour": 12, "minute": 48, "second": 37}
